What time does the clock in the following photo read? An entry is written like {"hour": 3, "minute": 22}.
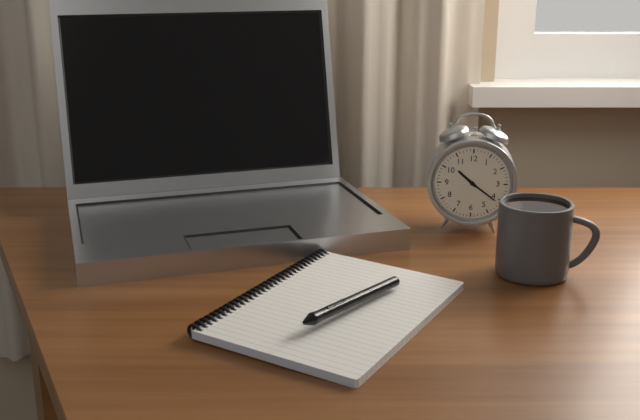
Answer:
{"hour": 10, "minute": 21}
